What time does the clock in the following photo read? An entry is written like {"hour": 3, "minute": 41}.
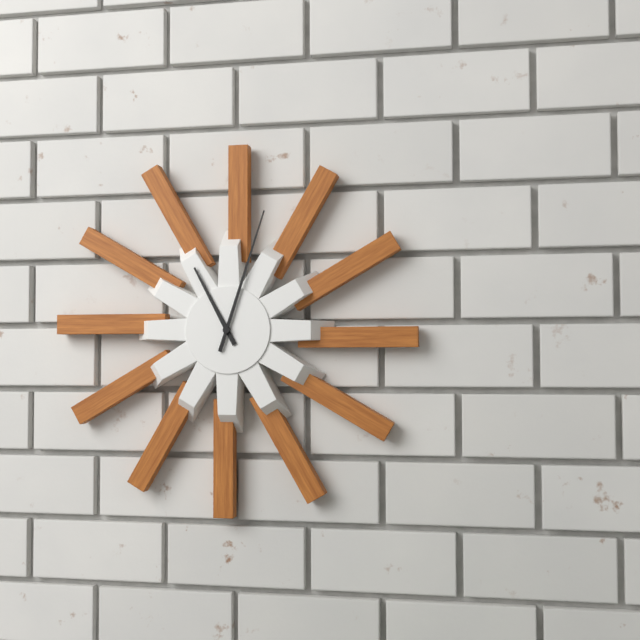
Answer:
{"hour": 11, "minute": 3}
